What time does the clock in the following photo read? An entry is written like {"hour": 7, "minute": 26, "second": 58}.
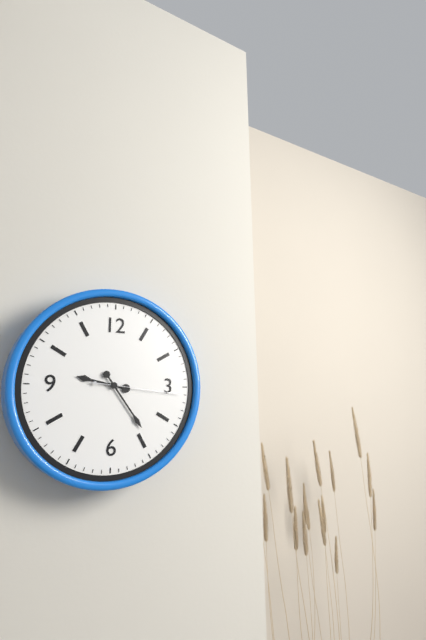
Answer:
{"hour": 9, "minute": 24, "second": 16}
